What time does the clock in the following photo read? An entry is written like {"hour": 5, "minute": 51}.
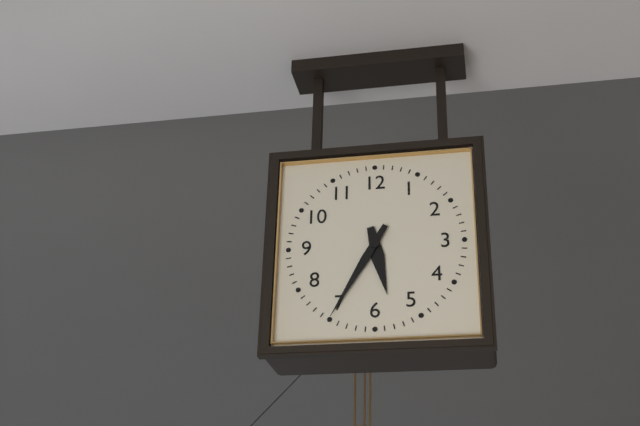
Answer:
{"hour": 5, "minute": 35}
